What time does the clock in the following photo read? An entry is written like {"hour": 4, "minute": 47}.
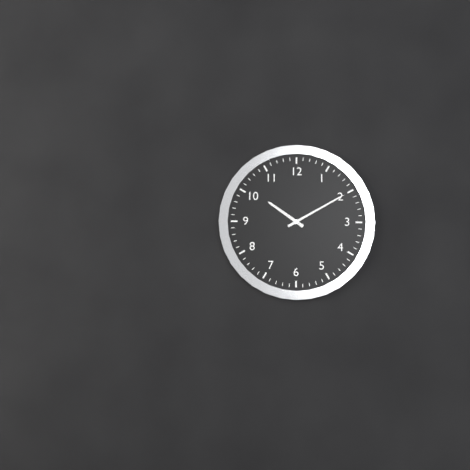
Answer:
{"hour": 10, "minute": 10}
